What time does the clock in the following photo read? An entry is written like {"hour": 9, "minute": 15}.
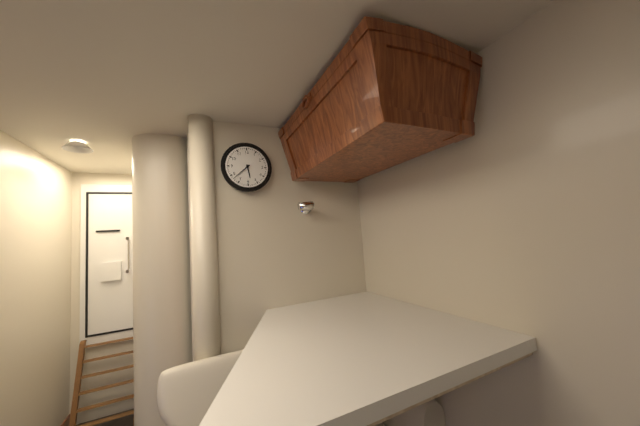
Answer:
{"hour": 5, "minute": 38}
